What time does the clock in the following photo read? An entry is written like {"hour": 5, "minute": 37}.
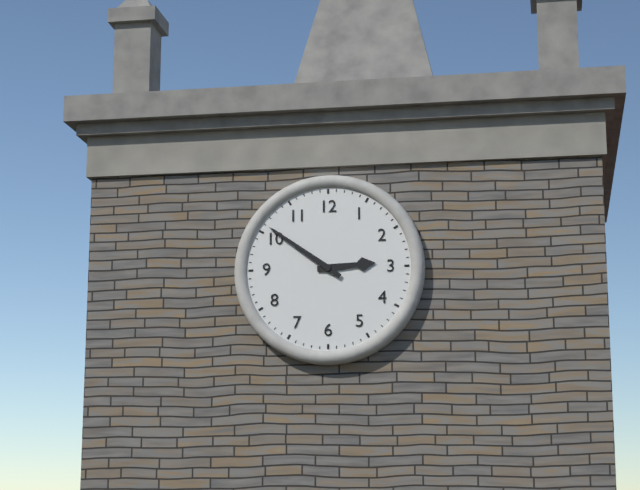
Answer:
{"hour": 2, "minute": 51}
